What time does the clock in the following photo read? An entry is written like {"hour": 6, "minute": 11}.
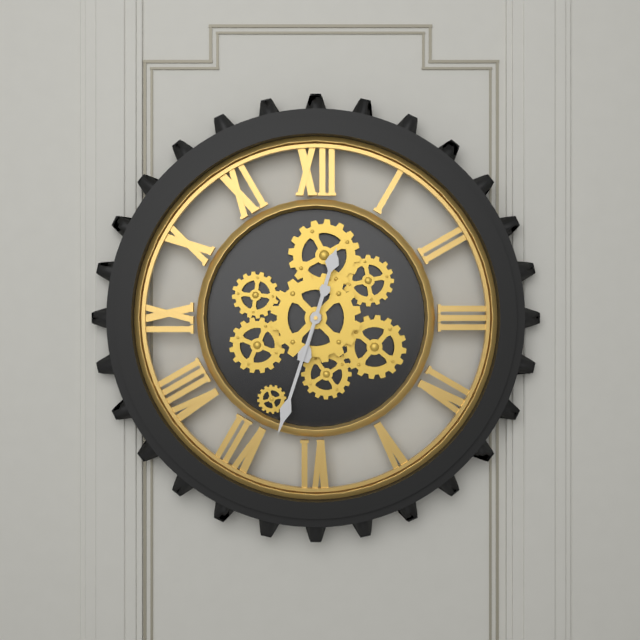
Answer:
{"hour": 12, "minute": 33}
